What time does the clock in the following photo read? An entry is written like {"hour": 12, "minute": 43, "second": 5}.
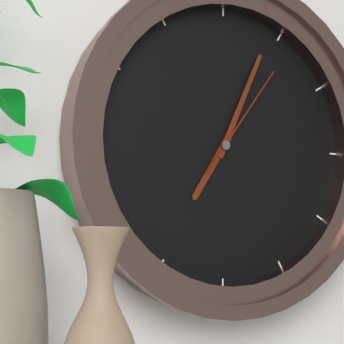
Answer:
{"hour": 7, "minute": 4, "second": 6}
